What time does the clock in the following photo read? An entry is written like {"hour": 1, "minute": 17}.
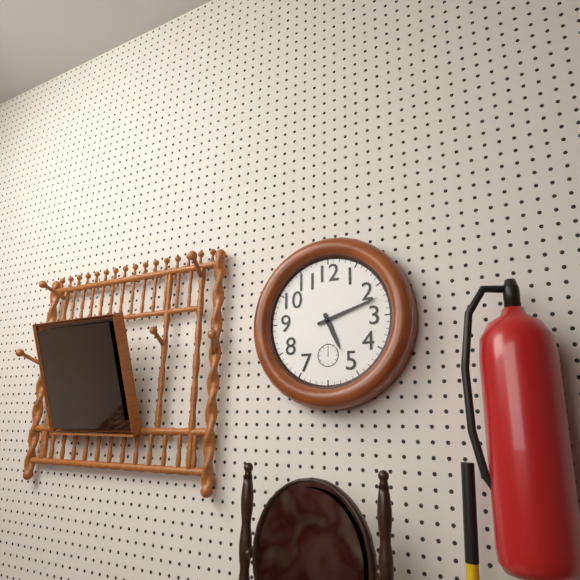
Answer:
{"hour": 5, "minute": 12}
